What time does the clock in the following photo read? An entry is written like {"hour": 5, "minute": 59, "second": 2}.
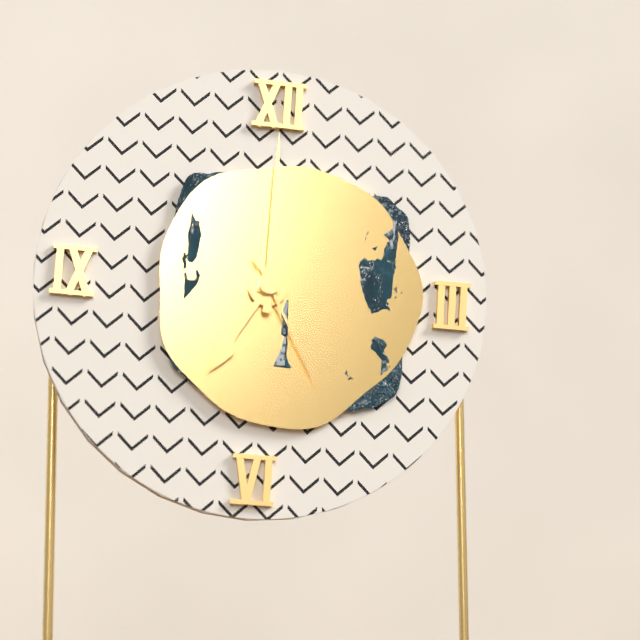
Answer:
{"hour": 7, "minute": 0, "second": 25}
